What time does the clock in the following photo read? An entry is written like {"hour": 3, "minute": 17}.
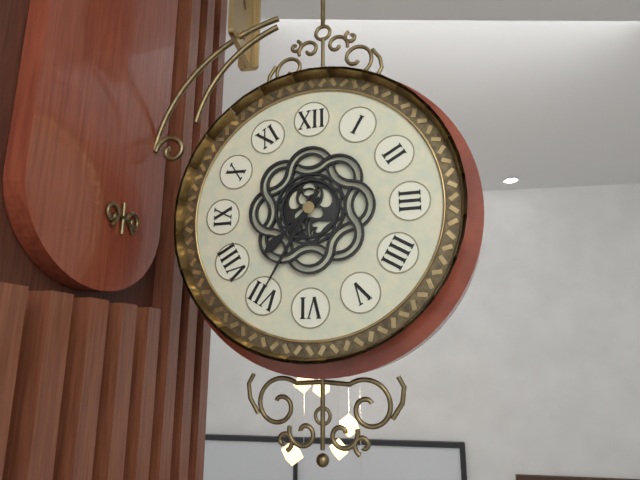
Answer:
{"hour": 7, "minute": 35}
